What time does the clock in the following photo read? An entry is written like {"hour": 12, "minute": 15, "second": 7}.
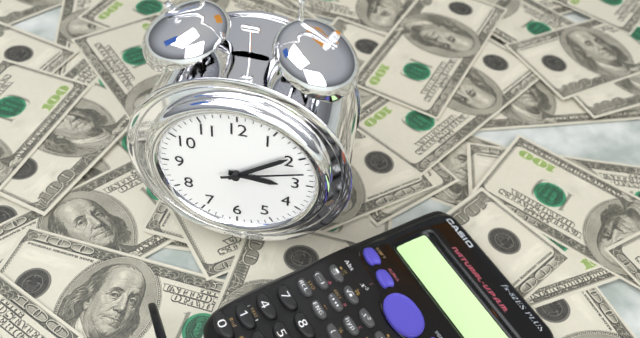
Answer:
{"hour": 3, "minute": 9, "second": 12}
